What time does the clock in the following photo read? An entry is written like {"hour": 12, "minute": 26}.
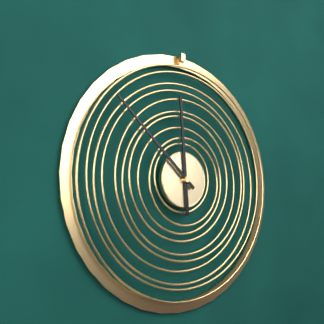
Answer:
{"hour": 11, "minute": 52}
